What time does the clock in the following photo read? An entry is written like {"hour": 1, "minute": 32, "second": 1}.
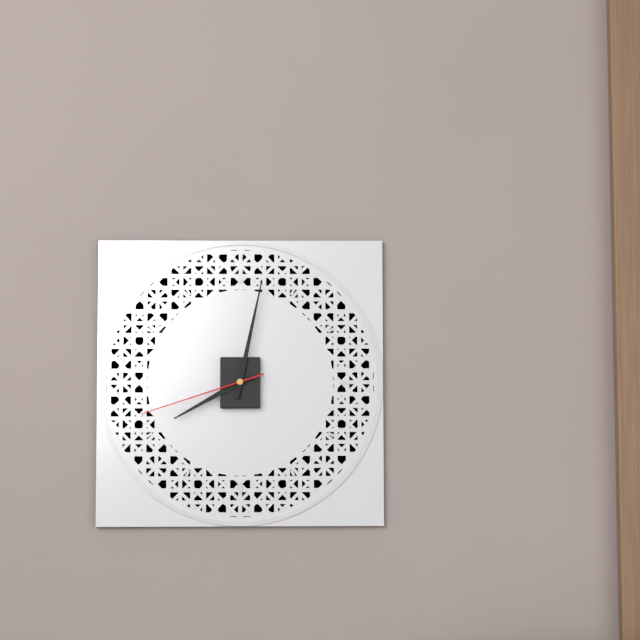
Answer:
{"hour": 8, "minute": 2, "second": 42}
